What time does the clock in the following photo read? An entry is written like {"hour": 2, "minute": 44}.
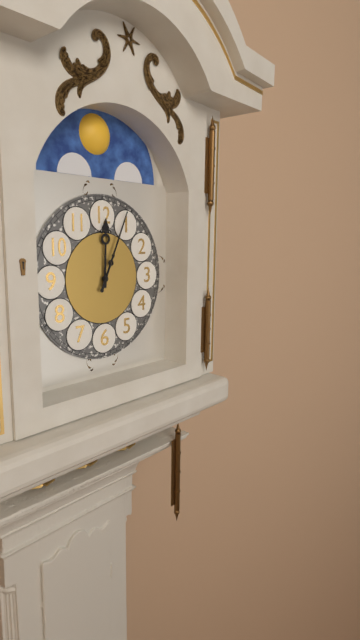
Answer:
{"hour": 12, "minute": 4}
